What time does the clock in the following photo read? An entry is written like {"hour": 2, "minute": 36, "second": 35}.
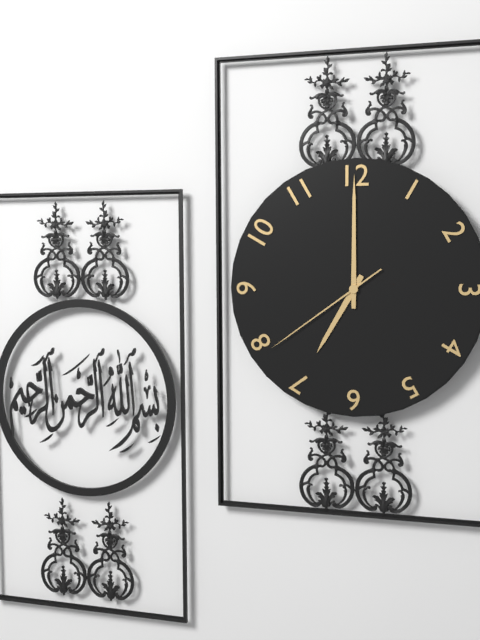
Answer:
{"hour": 7, "minute": 0, "second": 39}
